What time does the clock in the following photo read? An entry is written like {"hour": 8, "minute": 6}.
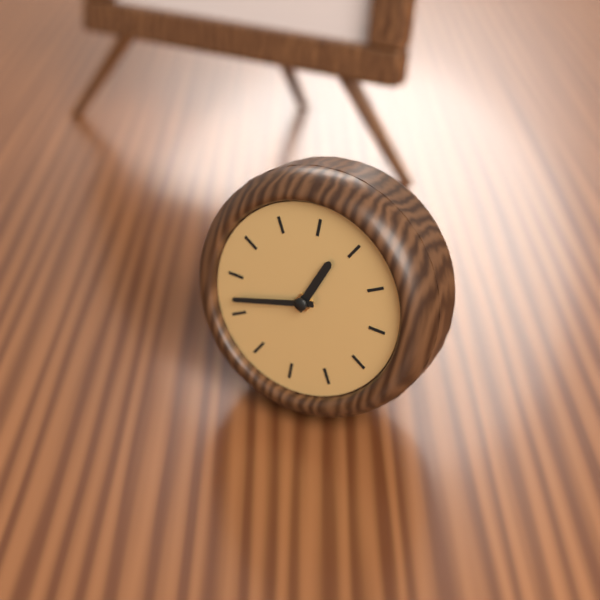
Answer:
{"hour": 12, "minute": 42}
